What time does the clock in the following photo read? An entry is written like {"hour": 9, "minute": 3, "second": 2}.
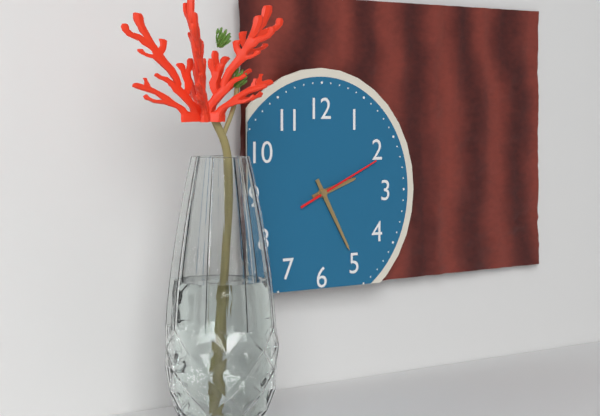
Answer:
{"hour": 2, "minute": 25, "second": 11}
